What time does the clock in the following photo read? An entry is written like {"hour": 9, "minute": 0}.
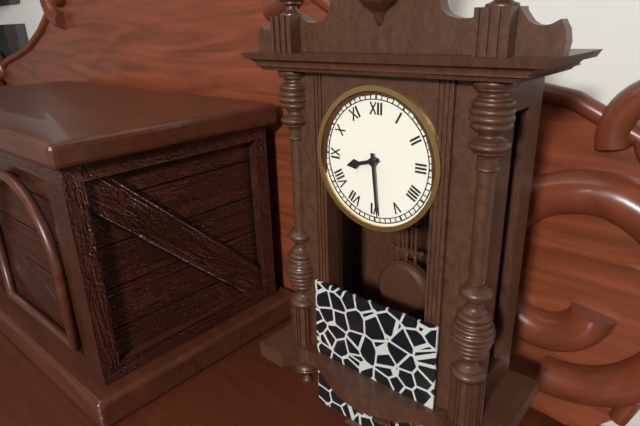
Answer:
{"hour": 8, "minute": 29}
